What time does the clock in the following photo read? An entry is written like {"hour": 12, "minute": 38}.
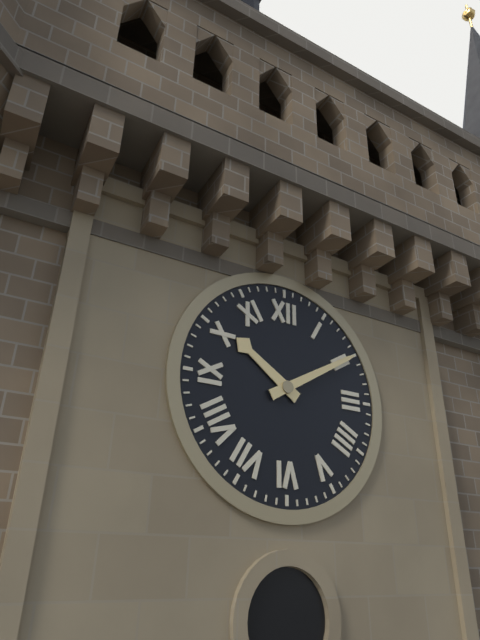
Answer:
{"hour": 10, "minute": 10}
